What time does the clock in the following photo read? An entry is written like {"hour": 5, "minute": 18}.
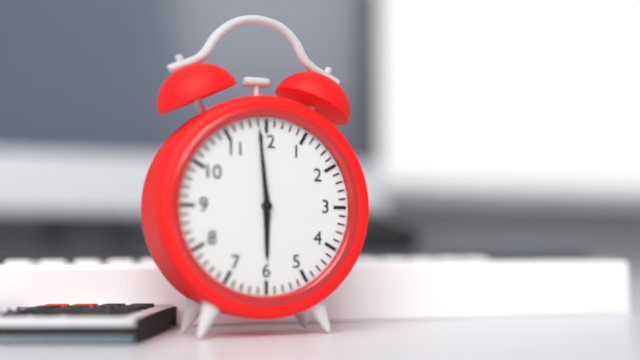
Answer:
{"hour": 5, "minute": 59}
